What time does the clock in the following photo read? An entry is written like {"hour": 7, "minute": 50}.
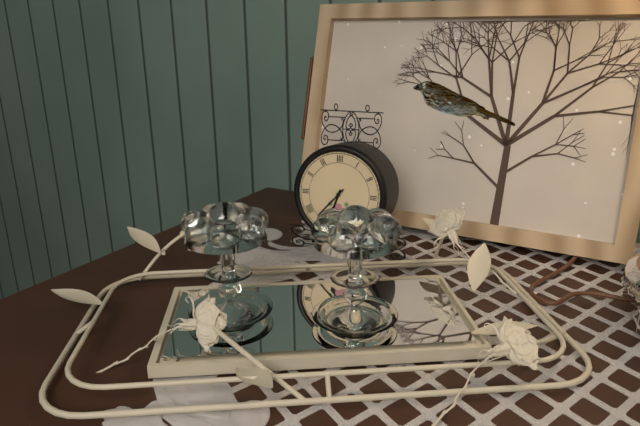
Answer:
{"hour": 6, "minute": 37}
